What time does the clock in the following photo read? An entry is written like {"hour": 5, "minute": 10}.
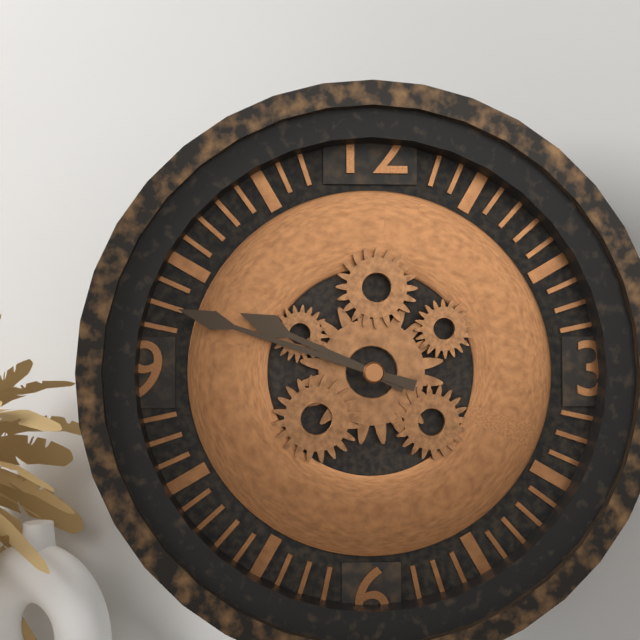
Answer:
{"hour": 9, "minute": 48}
